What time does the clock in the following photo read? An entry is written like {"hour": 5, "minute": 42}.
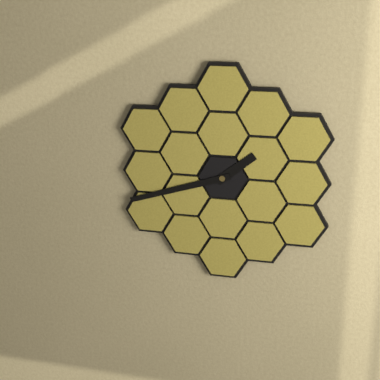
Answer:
{"hour": 1, "minute": 42}
